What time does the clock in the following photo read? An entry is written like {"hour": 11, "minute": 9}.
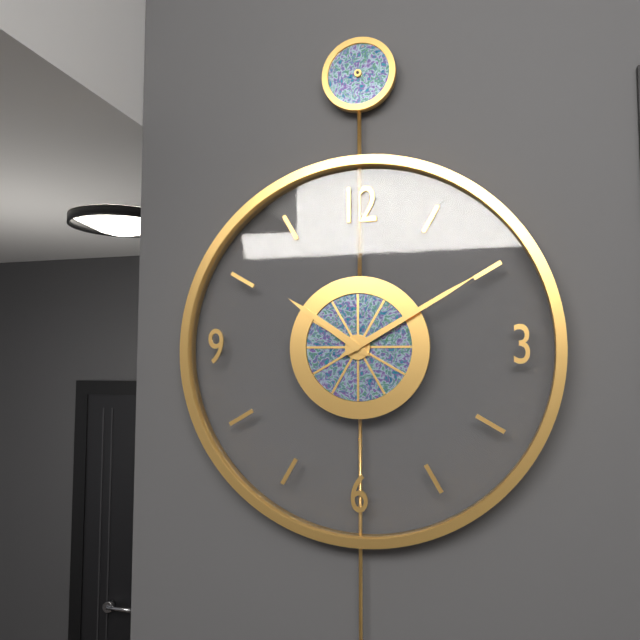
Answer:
{"hour": 10, "minute": 10}
